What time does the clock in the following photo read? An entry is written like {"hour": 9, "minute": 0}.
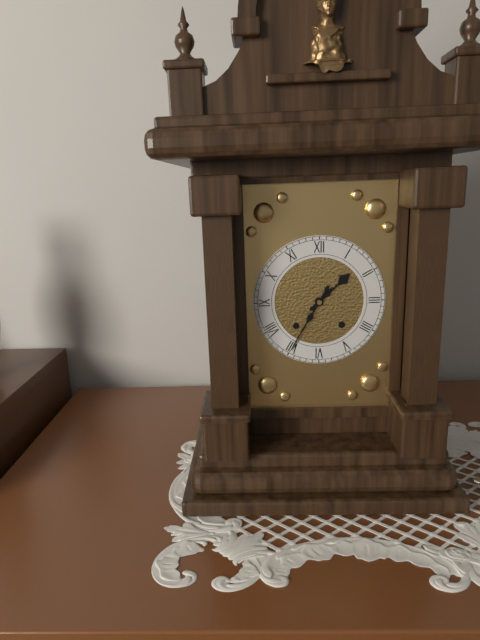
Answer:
{"hour": 1, "minute": 35}
